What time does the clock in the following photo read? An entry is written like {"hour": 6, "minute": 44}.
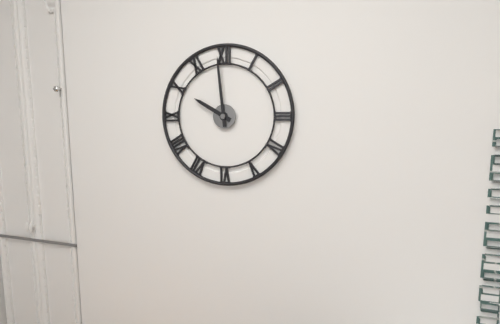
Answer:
{"hour": 9, "minute": 59}
